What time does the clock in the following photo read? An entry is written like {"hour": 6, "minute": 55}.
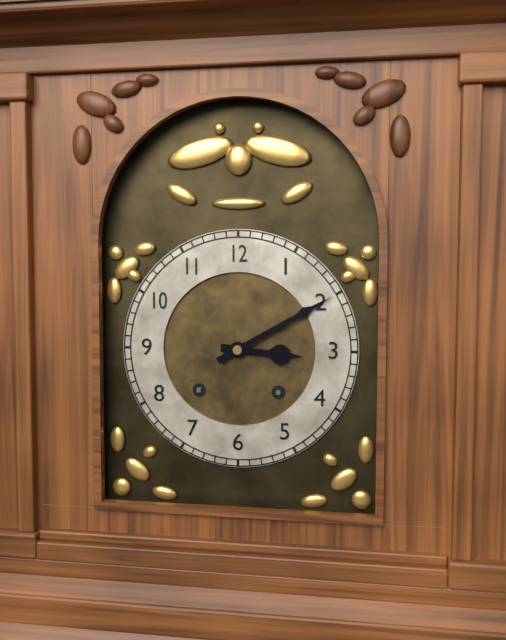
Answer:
{"hour": 3, "minute": 10}
